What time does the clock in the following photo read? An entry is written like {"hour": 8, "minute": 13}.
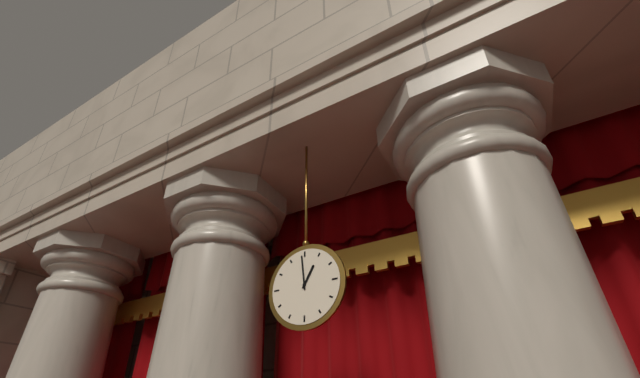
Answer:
{"hour": 12, "minute": 59}
